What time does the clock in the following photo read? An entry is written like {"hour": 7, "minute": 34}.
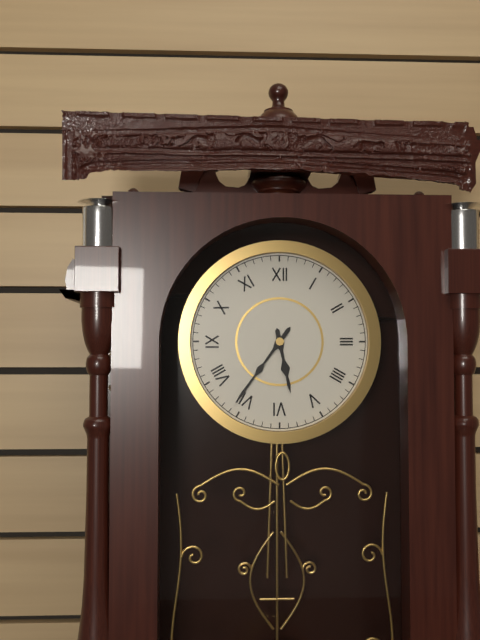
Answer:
{"hour": 5, "minute": 36}
